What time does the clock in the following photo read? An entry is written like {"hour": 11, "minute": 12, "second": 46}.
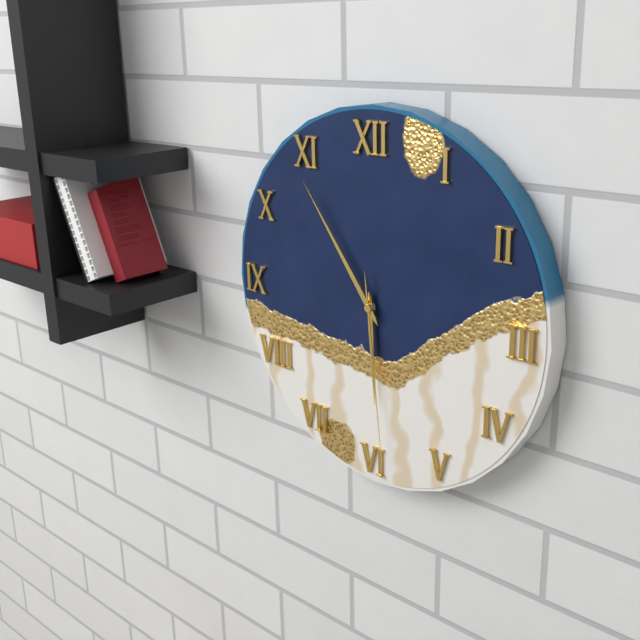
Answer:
{"hour": 5, "minute": 54, "second": 29}
